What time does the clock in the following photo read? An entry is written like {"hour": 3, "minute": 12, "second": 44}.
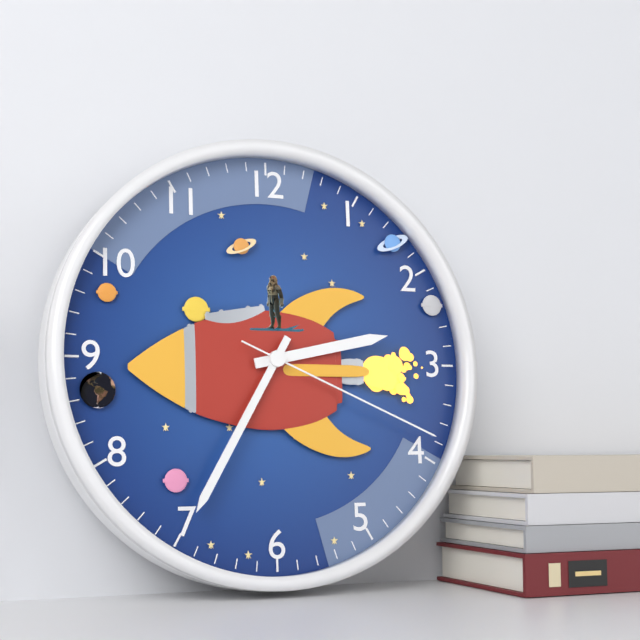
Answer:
{"hour": 2, "minute": 35, "second": 19}
